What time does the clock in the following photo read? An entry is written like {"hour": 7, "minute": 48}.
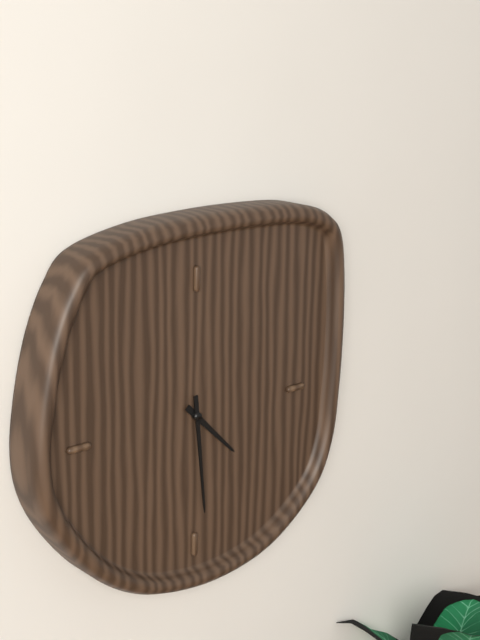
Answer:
{"hour": 4, "minute": 29}
